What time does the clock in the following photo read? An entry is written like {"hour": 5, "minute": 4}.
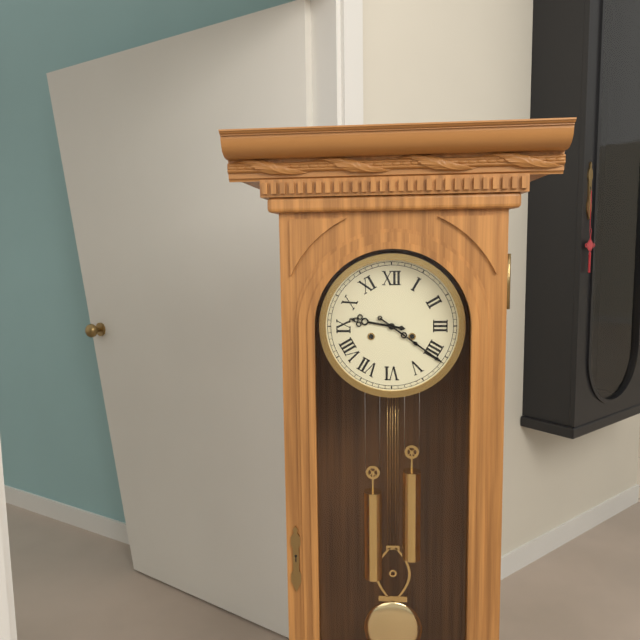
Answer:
{"hour": 9, "minute": 21}
